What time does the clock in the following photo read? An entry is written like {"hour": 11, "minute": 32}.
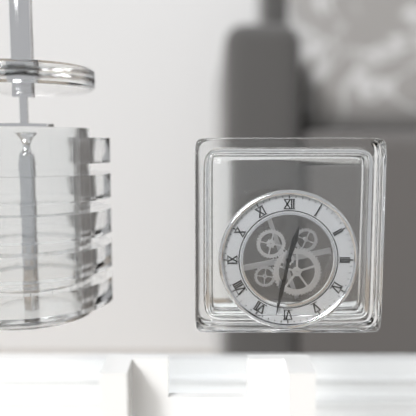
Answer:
{"hour": 12, "minute": 32}
